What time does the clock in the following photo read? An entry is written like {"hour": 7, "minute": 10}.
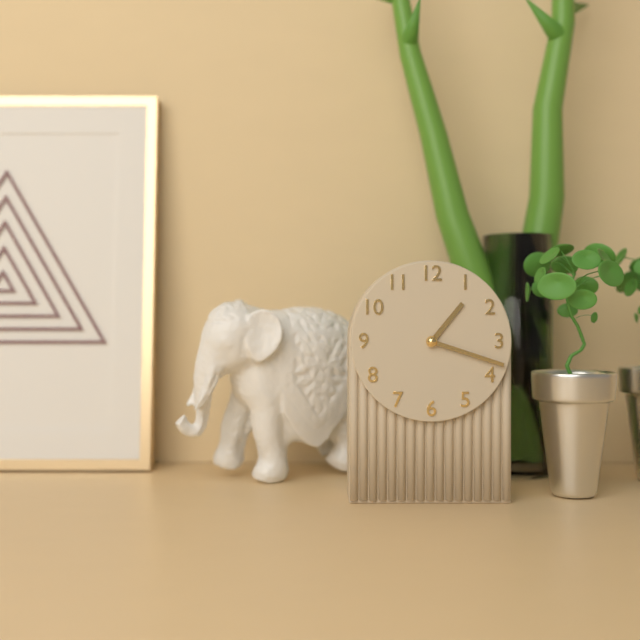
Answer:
{"hour": 1, "minute": 18}
